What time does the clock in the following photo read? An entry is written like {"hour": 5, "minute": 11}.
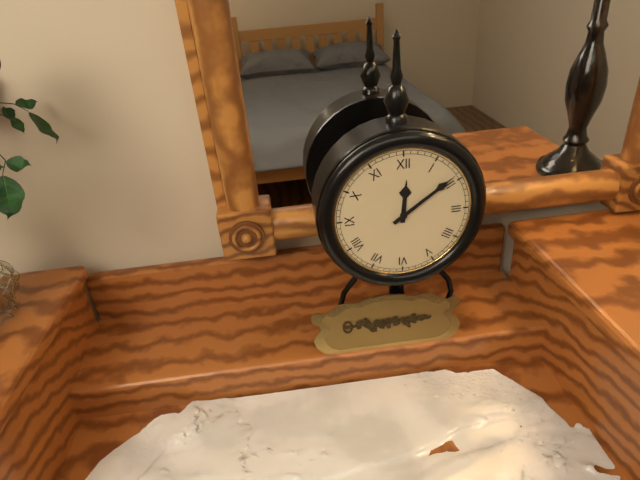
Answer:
{"hour": 12, "minute": 9}
